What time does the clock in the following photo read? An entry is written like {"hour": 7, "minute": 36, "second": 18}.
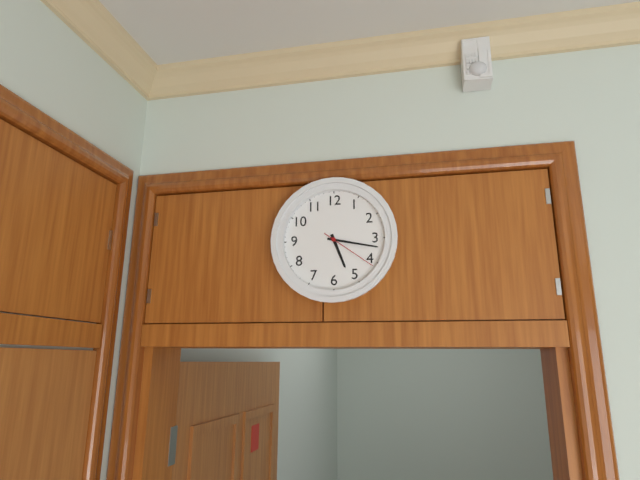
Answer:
{"hour": 5, "minute": 17, "second": 21}
